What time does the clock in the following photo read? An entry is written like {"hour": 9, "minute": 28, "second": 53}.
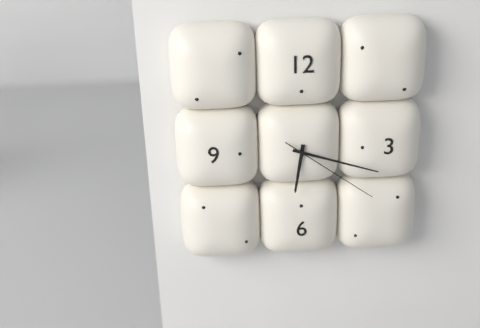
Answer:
{"hour": 6, "minute": 18, "second": 21}
